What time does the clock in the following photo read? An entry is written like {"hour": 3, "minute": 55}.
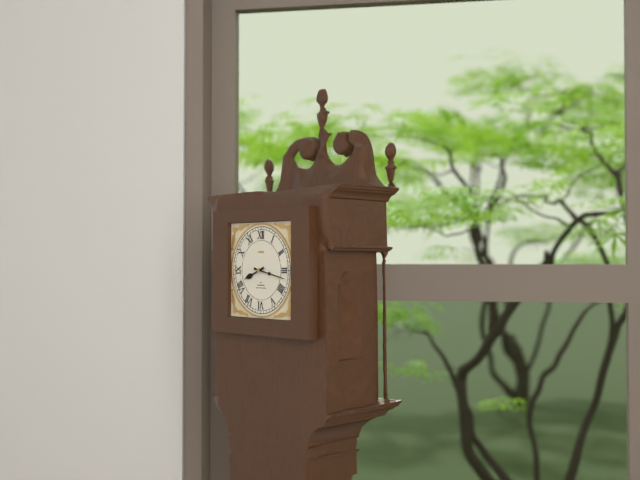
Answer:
{"hour": 8, "minute": 17}
